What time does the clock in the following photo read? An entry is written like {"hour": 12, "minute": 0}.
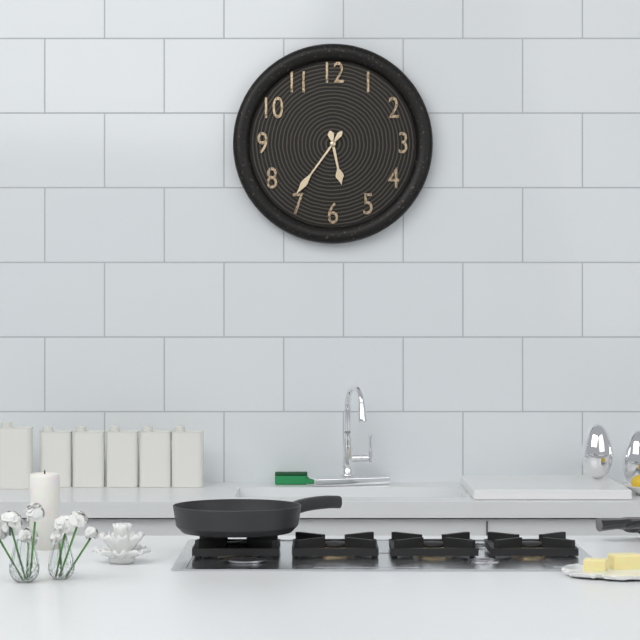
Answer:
{"hour": 5, "minute": 36}
